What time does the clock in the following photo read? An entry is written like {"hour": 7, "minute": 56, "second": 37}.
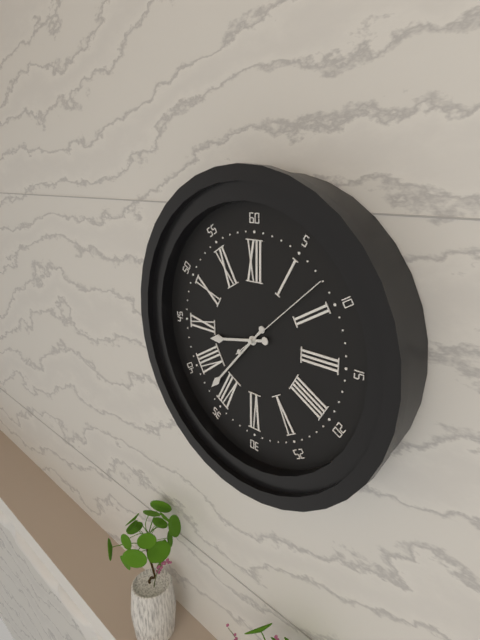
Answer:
{"hour": 8, "minute": 37, "second": 8}
